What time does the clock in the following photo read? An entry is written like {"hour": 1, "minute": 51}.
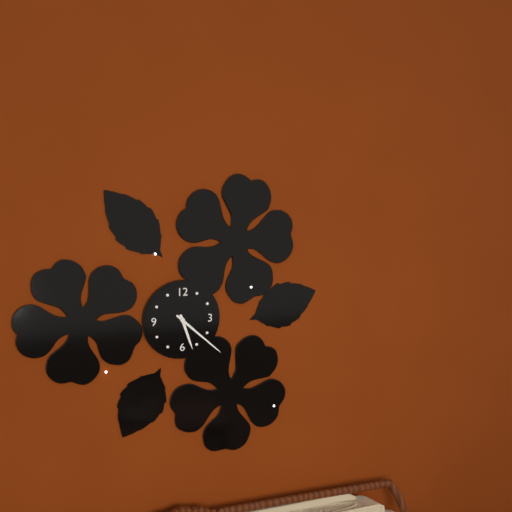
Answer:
{"hour": 5, "minute": 22}
